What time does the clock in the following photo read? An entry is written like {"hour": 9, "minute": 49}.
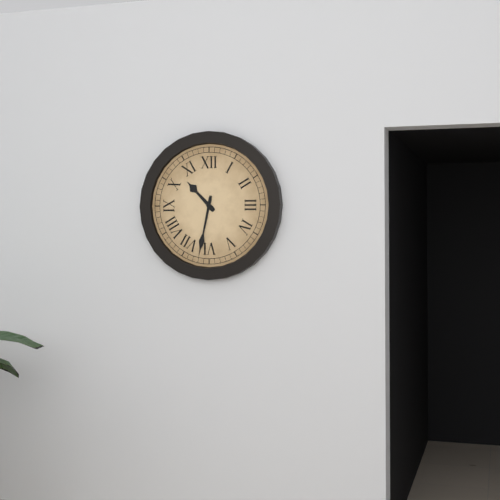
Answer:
{"hour": 10, "minute": 32}
